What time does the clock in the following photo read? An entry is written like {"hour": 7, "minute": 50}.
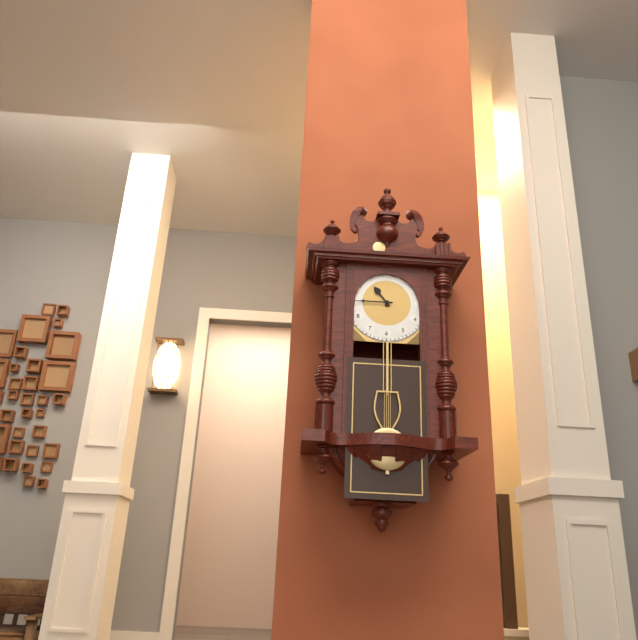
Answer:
{"hour": 10, "minute": 45}
